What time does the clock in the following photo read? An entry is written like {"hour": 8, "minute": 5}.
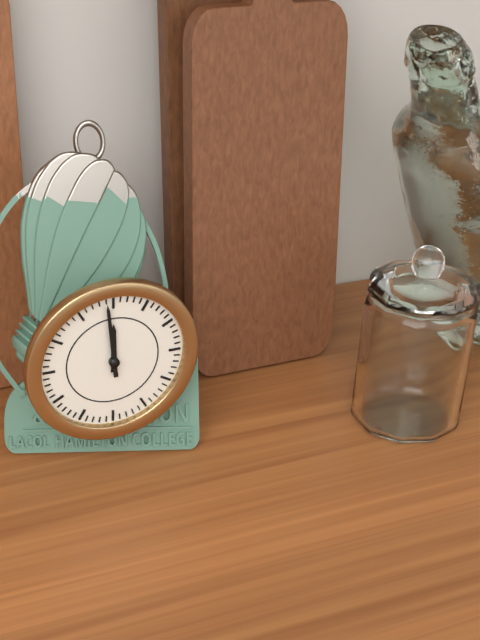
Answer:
{"hour": 11, "minute": 59}
